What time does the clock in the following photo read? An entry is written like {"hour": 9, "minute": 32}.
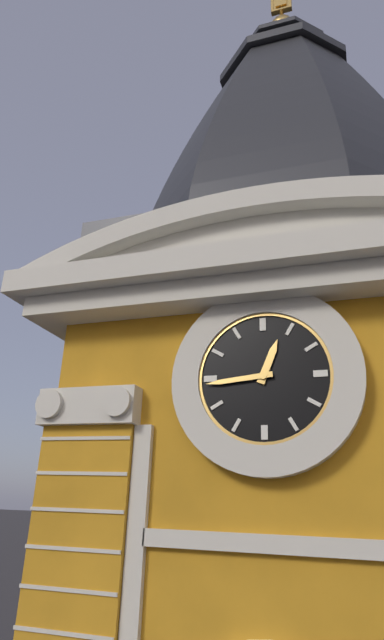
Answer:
{"hour": 12, "minute": 44}
